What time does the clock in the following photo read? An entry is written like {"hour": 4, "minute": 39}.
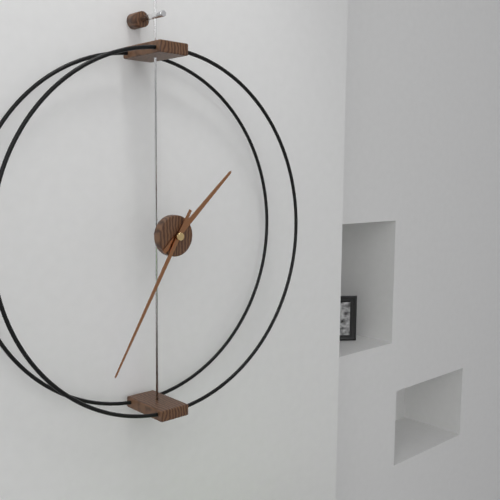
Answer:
{"hour": 1, "minute": 35}
